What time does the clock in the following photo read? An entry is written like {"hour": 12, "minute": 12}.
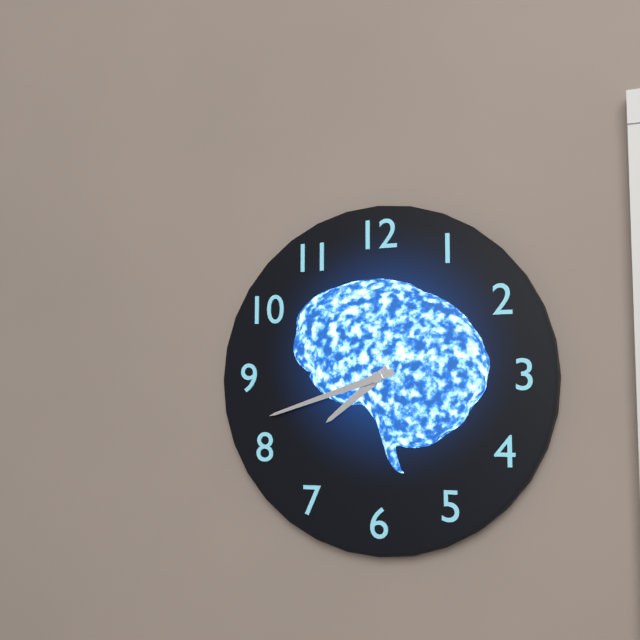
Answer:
{"hour": 7, "minute": 42}
